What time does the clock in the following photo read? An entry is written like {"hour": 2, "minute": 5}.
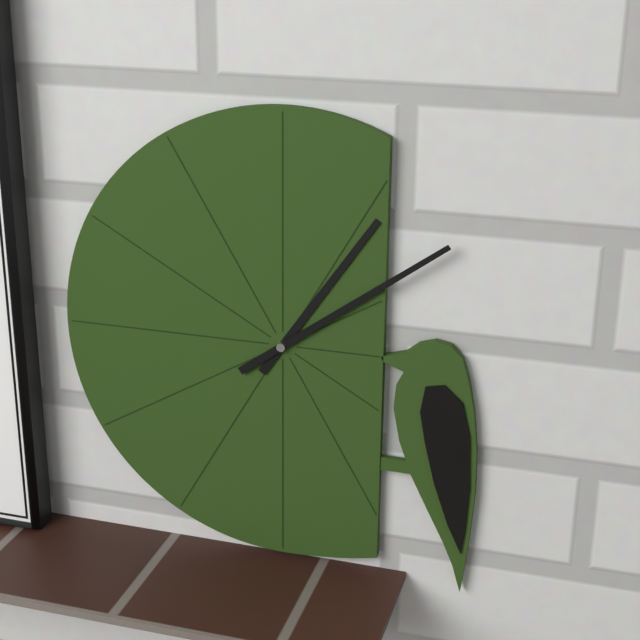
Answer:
{"hour": 1, "minute": 9}
